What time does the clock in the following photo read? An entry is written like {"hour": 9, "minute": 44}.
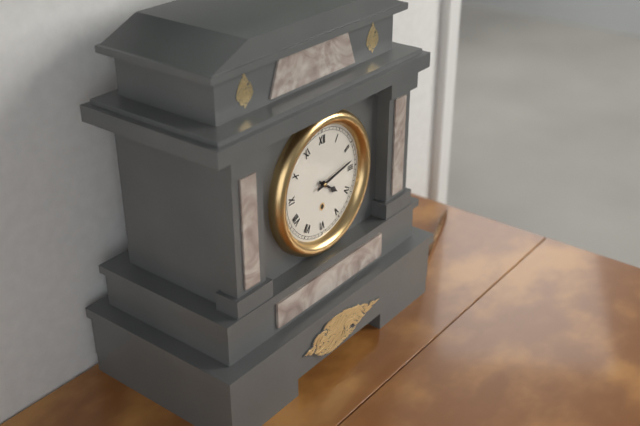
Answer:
{"hour": 4, "minute": 13}
